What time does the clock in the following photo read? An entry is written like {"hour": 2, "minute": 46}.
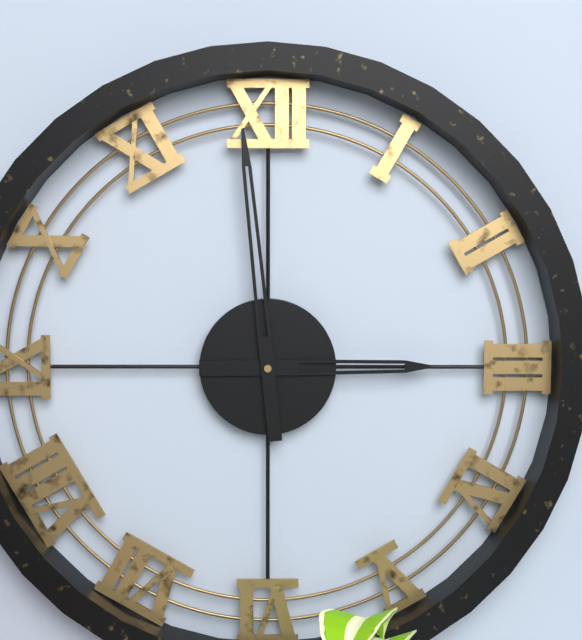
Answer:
{"hour": 2, "minute": 59}
